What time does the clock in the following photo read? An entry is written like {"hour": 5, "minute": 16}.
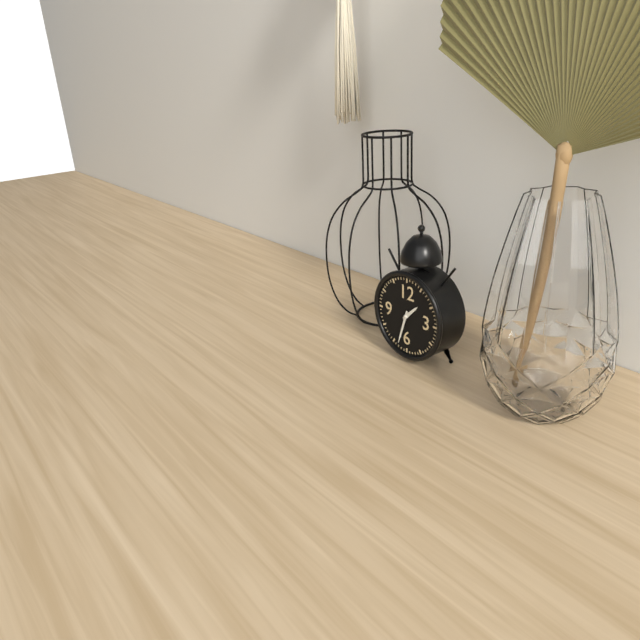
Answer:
{"hour": 1, "minute": 33}
